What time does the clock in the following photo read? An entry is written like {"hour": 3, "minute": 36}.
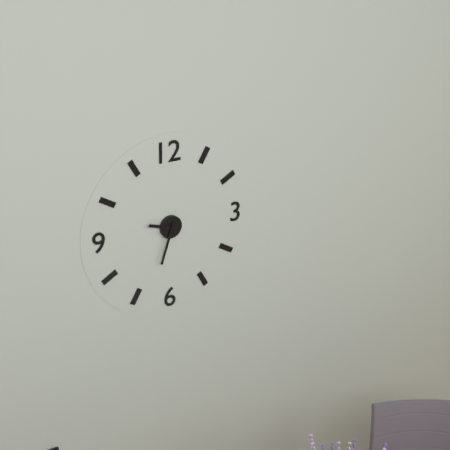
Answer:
{"hour": 9, "minute": 33}
